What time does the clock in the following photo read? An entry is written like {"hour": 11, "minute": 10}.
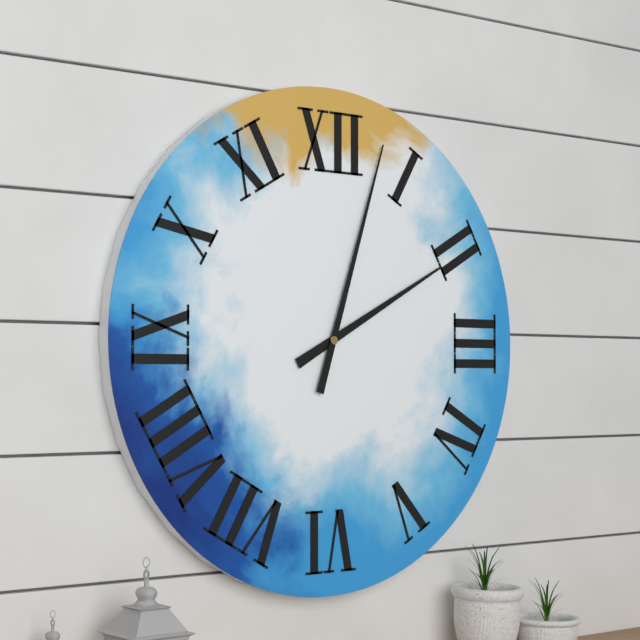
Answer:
{"hour": 2, "minute": 3}
